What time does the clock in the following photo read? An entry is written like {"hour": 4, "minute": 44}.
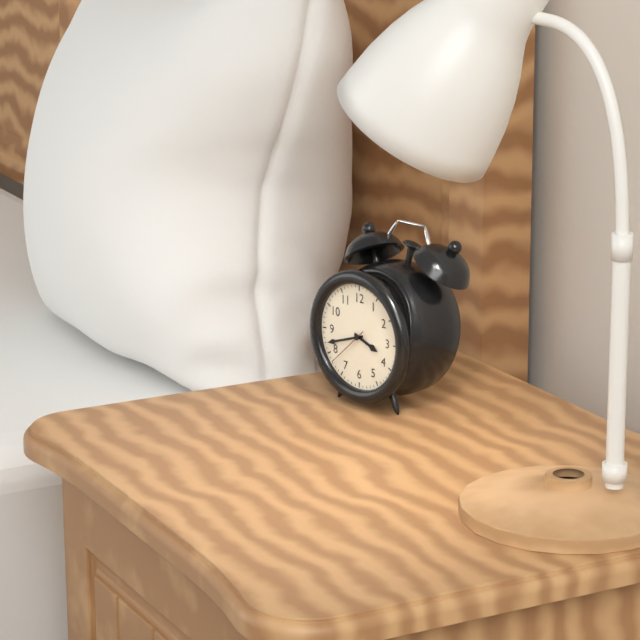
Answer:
{"hour": 3, "minute": 42}
